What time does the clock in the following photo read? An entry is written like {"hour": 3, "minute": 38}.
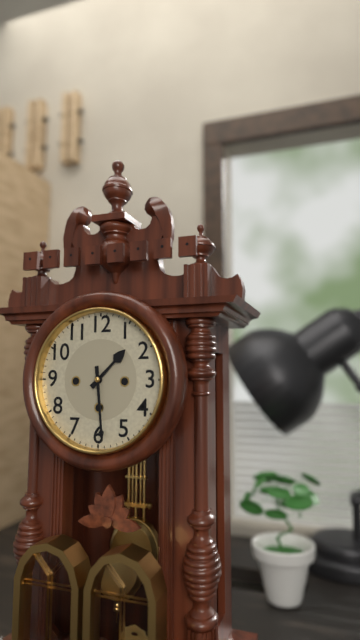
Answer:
{"hour": 1, "minute": 29}
